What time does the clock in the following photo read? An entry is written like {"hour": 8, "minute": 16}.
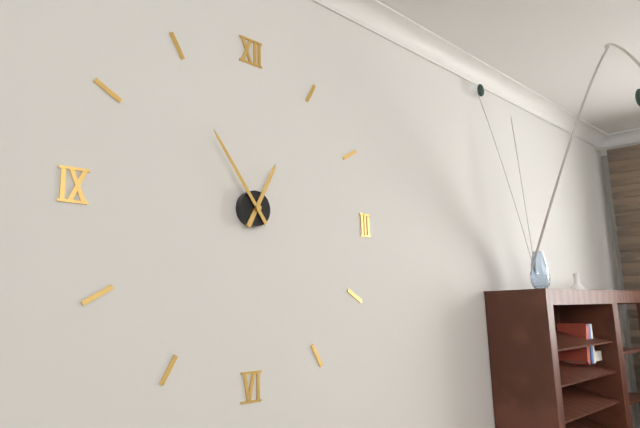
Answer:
{"hour": 12, "minute": 54}
